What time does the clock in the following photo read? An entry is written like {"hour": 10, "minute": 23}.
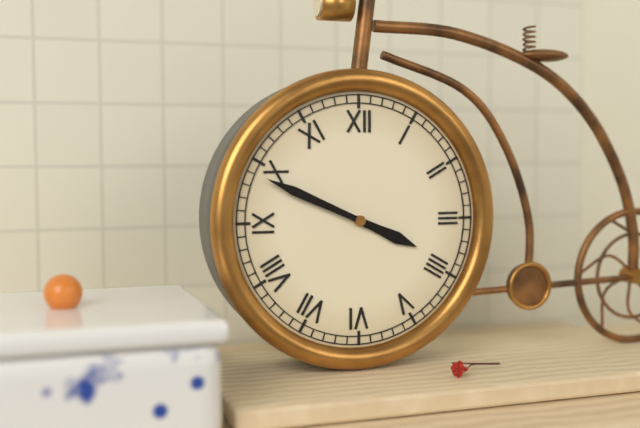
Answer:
{"hour": 3, "minute": 49}
